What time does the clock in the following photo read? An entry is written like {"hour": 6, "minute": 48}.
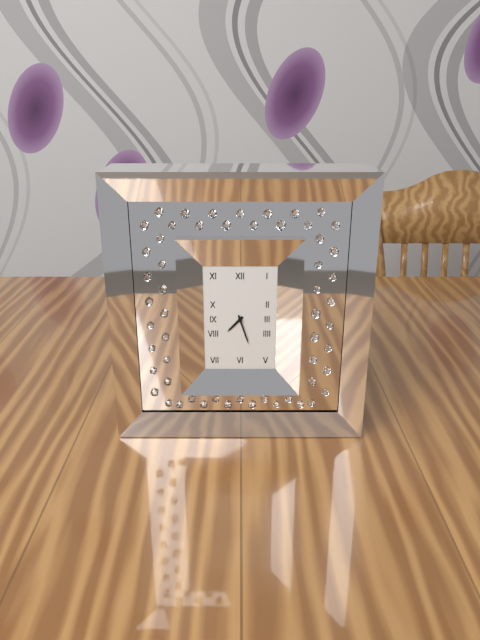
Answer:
{"hour": 7, "minute": 27}
